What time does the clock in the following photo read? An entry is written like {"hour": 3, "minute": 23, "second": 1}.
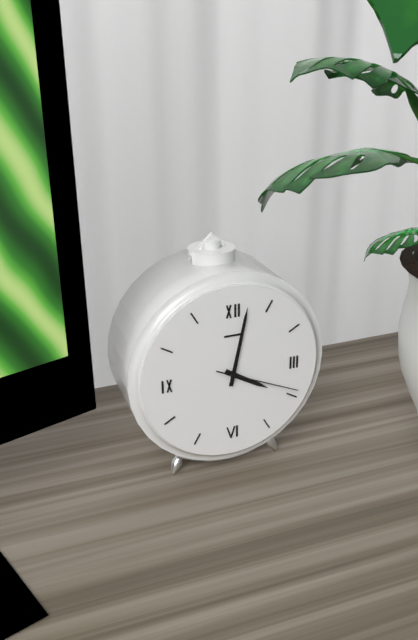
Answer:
{"hour": 4, "minute": 2, "second": 19}
